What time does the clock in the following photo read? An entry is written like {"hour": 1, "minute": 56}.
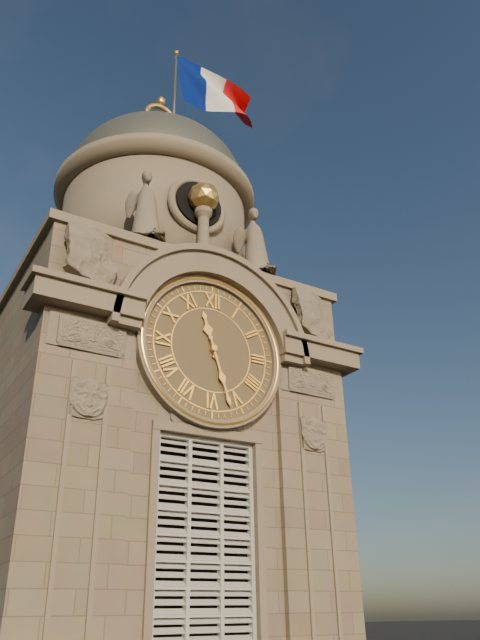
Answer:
{"hour": 11, "minute": 27}
